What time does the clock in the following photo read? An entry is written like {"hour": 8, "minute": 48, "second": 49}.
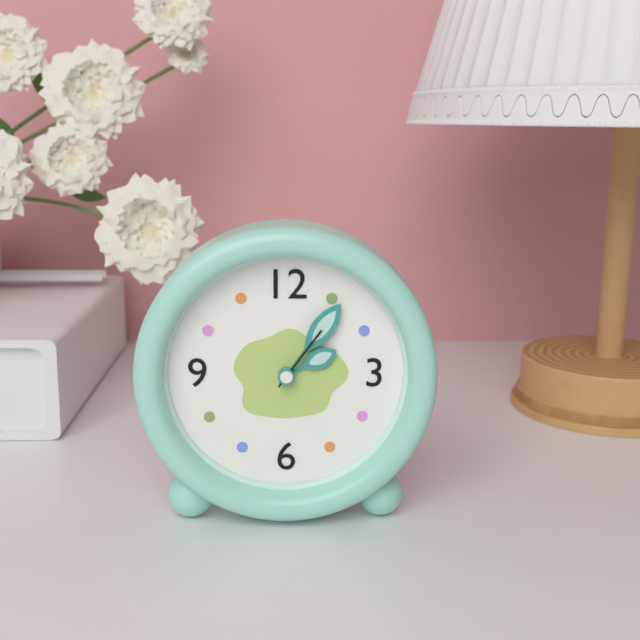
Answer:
{"hour": 2, "minute": 6, "second": 6}
